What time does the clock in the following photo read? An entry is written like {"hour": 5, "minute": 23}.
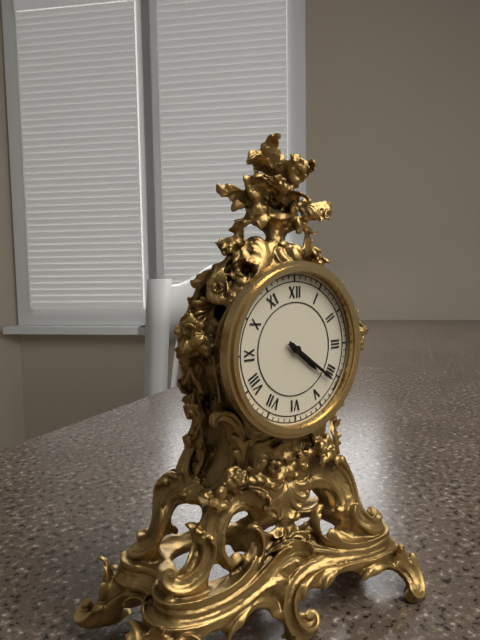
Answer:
{"hour": 4, "minute": 21}
